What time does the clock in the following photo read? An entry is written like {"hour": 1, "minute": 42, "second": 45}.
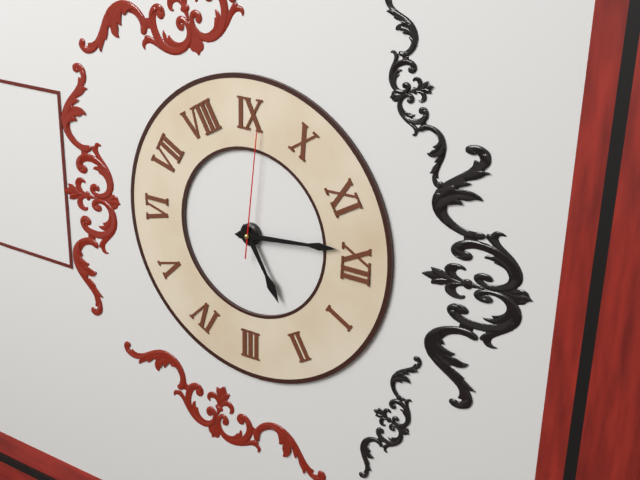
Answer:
{"hour": 1, "minute": 59, "second": 46}
